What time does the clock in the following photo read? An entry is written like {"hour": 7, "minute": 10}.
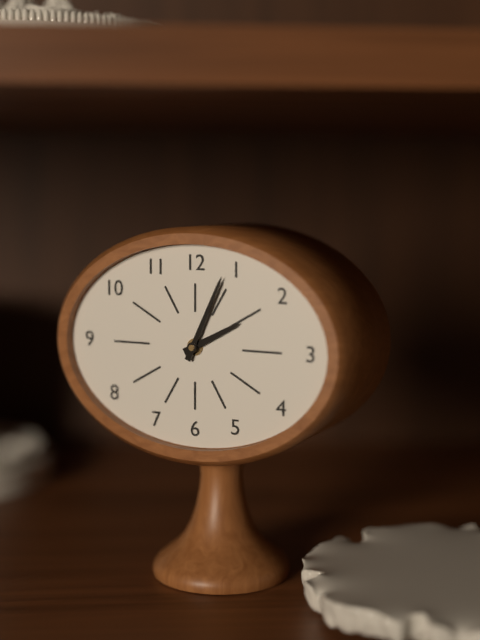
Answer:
{"hour": 2, "minute": 4}
